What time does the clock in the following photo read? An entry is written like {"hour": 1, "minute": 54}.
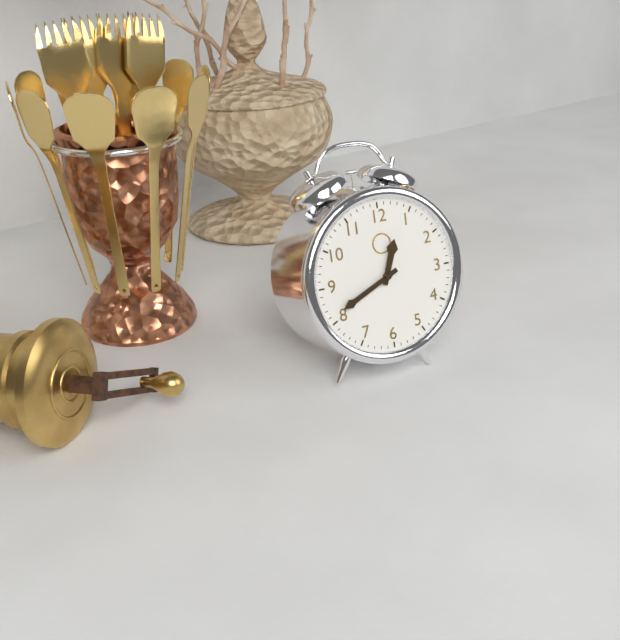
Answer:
{"hour": 12, "minute": 41}
